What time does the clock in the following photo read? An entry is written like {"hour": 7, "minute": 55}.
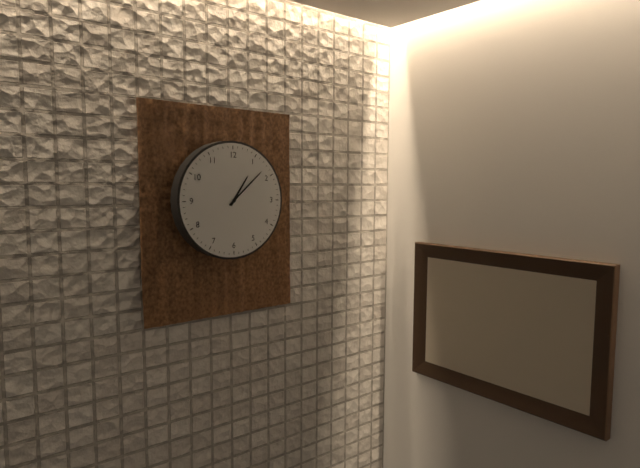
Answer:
{"hour": 1, "minute": 8}
